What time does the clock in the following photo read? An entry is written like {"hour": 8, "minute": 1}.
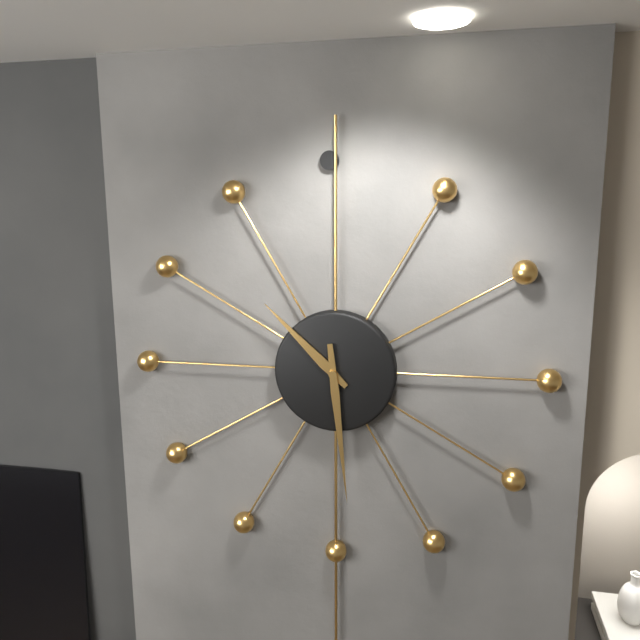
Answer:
{"hour": 10, "minute": 29}
